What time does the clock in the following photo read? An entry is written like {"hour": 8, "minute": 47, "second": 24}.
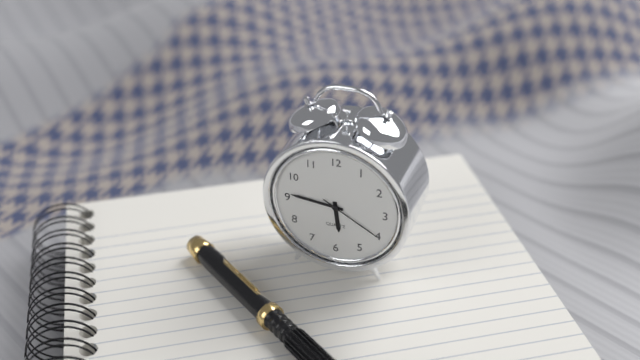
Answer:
{"hour": 5, "minute": 46, "second": 20}
